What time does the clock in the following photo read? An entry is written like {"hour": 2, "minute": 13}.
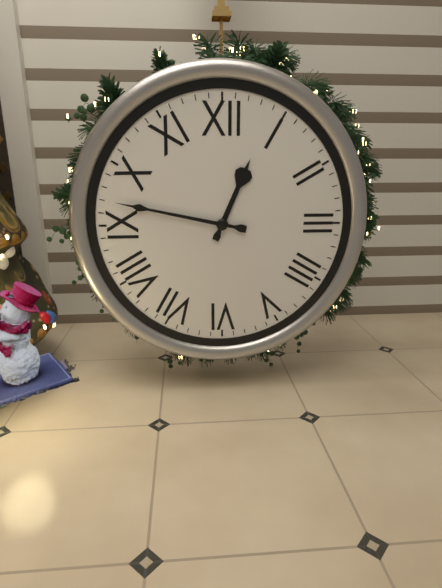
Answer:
{"hour": 12, "minute": 47}
